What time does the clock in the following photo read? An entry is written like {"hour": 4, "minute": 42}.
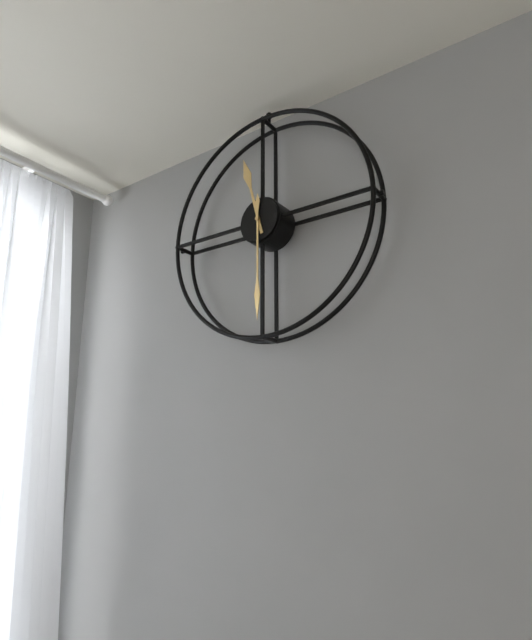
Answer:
{"hour": 11, "minute": 30}
